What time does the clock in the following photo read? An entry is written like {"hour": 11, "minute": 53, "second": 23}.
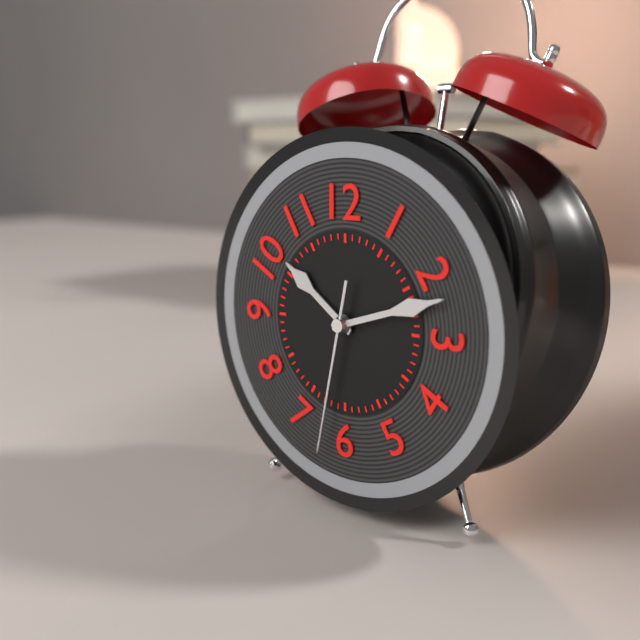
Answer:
{"hour": 10, "minute": 12, "second": 32}
